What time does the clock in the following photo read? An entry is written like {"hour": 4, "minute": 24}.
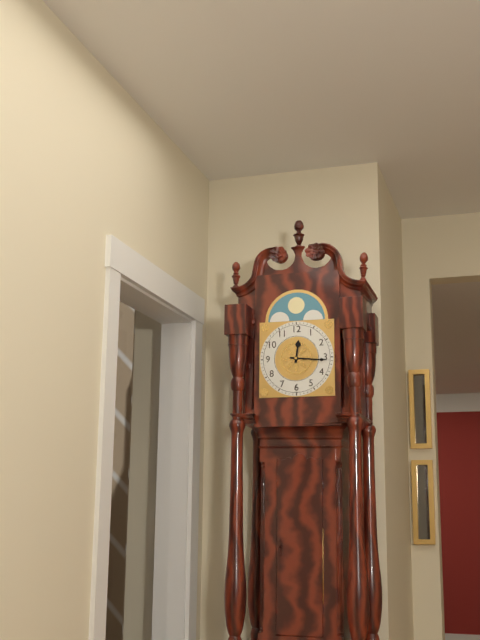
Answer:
{"hour": 12, "minute": 16}
